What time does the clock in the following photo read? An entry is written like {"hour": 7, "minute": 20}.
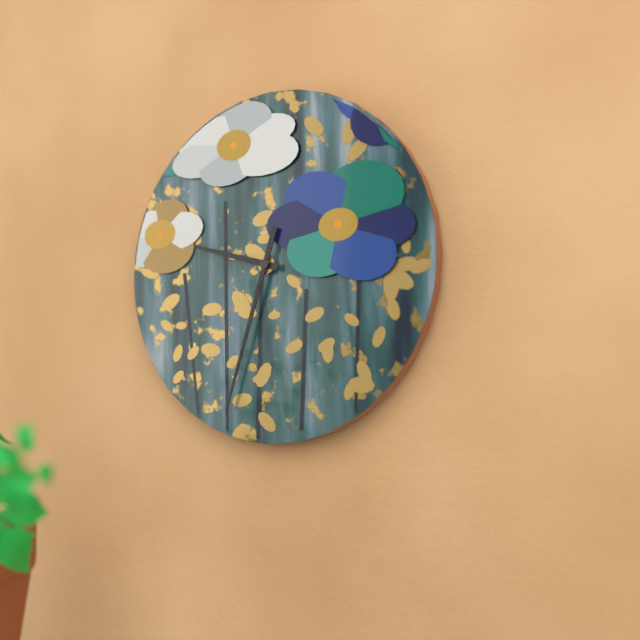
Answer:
{"hour": 9, "minute": 33}
